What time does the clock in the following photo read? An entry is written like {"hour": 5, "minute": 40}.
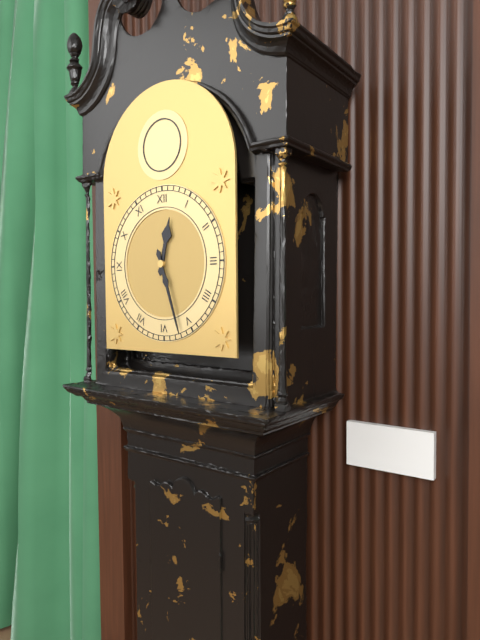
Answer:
{"hour": 12, "minute": 27}
